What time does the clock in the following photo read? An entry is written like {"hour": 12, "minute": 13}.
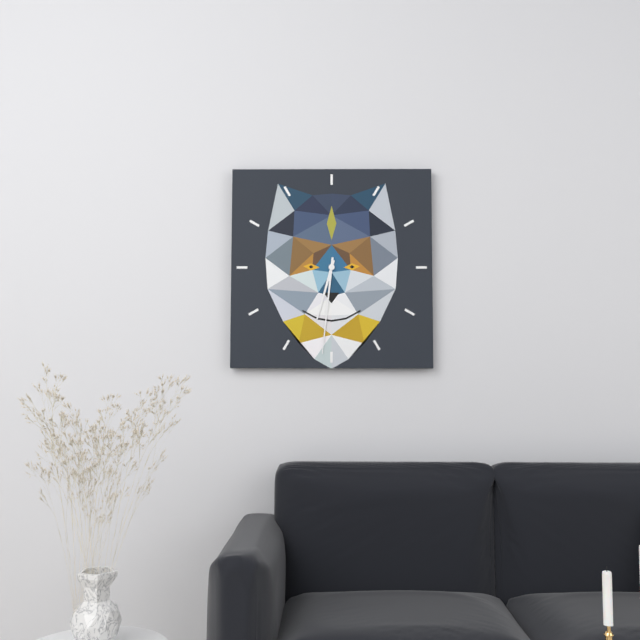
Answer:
{"hour": 6, "minute": 31}
